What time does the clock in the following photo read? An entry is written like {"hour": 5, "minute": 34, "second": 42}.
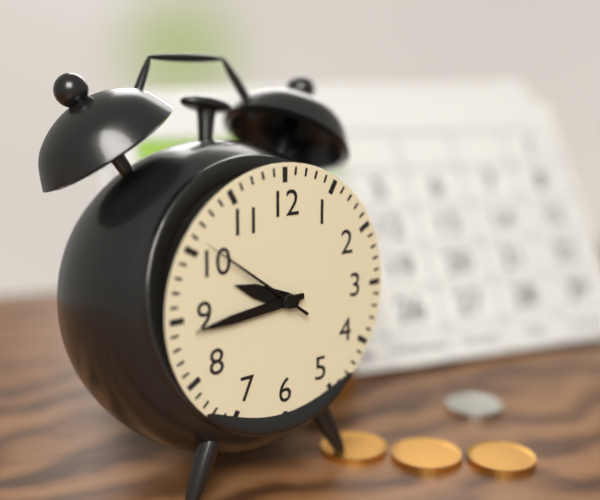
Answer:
{"hour": 9, "minute": 44, "second": 51}
